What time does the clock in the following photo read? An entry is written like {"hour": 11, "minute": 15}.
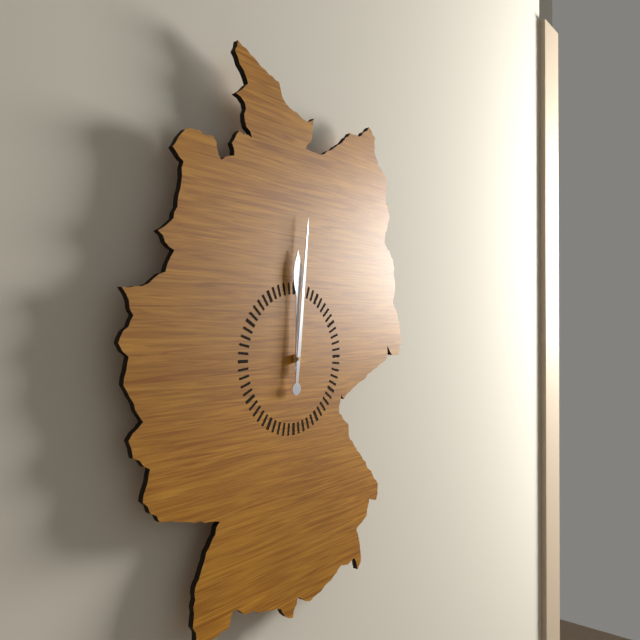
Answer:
{"hour": 12, "minute": 1}
